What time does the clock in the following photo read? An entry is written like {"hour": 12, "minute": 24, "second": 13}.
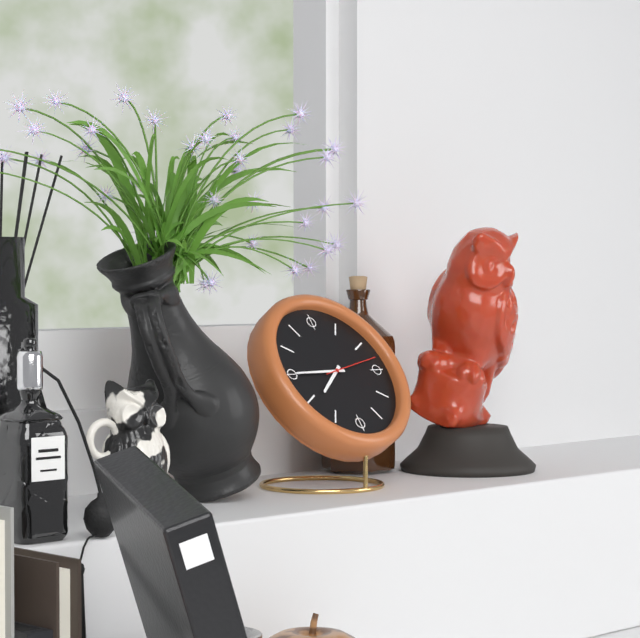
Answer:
{"hour": 7, "minute": 45, "second": 13}
